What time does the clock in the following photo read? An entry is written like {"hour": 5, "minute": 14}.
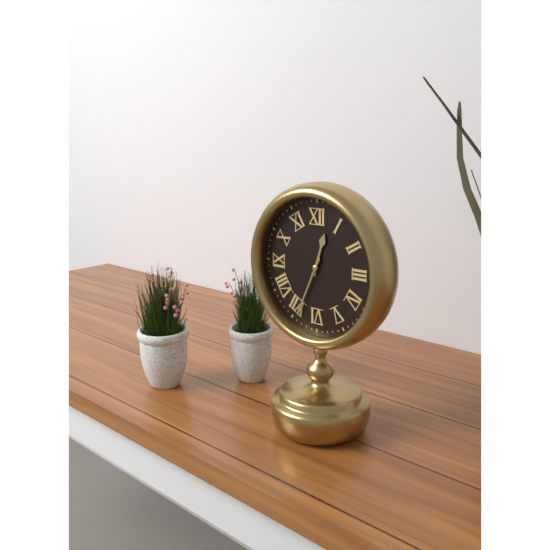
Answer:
{"hour": 12, "minute": 34}
